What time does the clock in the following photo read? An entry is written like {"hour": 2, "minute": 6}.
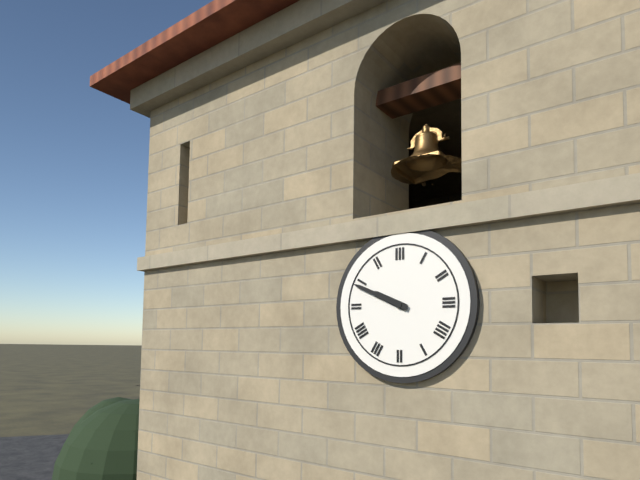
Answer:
{"hour": 9, "minute": 49}
